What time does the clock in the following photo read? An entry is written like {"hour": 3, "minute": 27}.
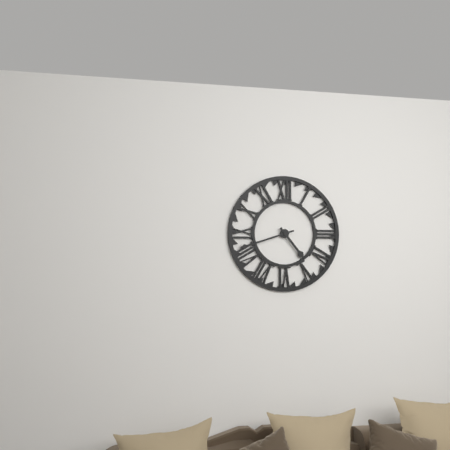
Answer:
{"hour": 4, "minute": 42}
